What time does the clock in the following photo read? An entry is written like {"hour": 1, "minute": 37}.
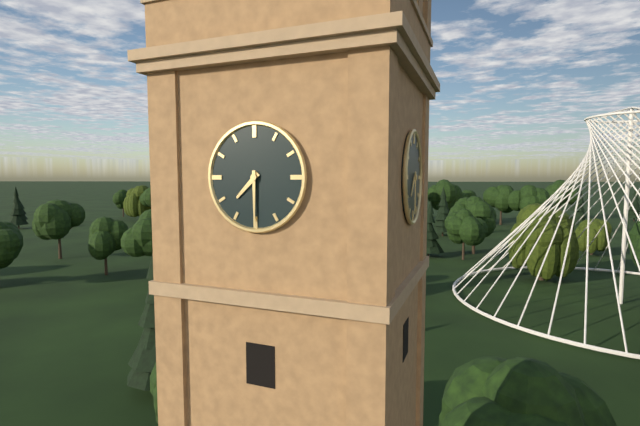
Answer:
{"hour": 7, "minute": 30}
